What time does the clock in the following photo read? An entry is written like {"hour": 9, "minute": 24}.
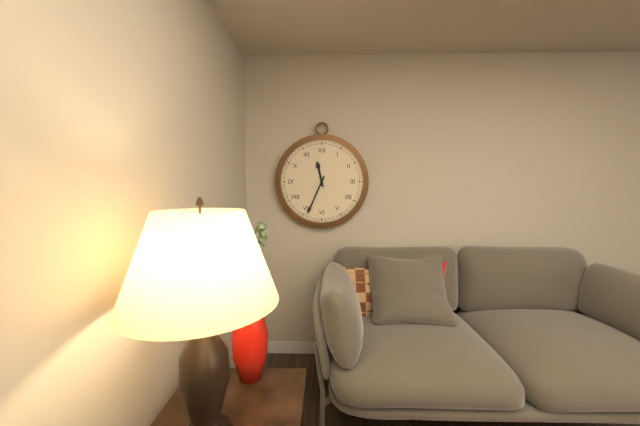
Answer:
{"hour": 11, "minute": 34}
